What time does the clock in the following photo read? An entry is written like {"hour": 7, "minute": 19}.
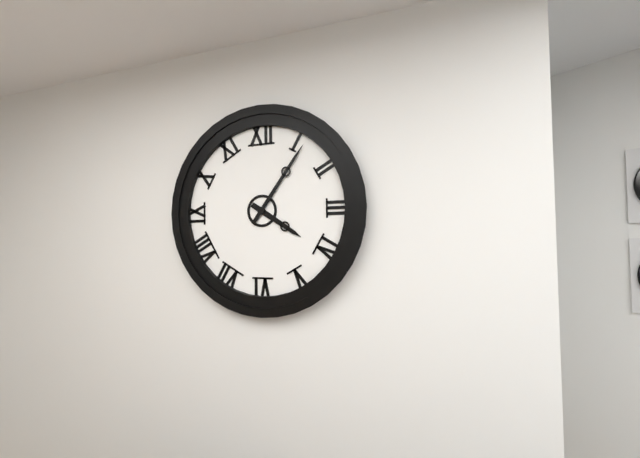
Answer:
{"hour": 4, "minute": 6}
